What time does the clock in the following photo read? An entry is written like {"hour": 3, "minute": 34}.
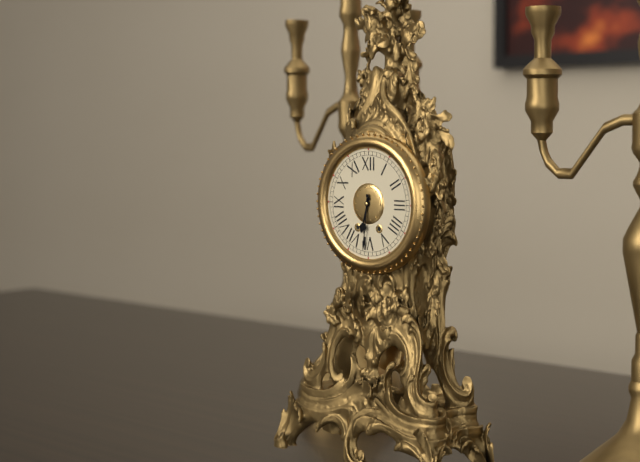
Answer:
{"hour": 6, "minute": 31}
